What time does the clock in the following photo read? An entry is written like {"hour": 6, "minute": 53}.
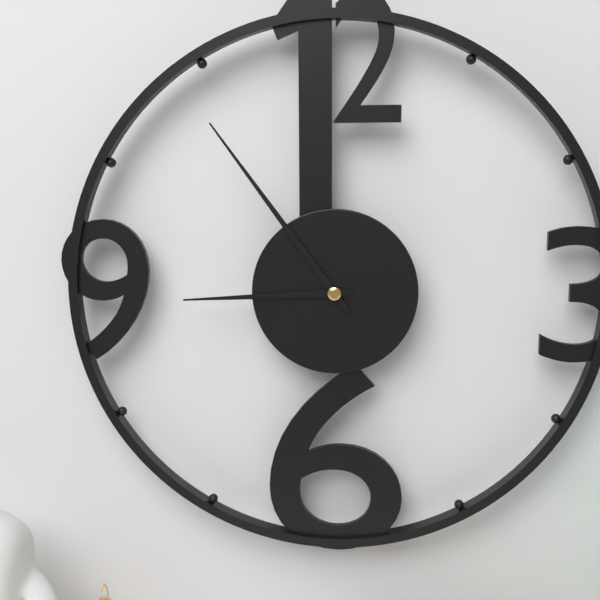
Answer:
{"hour": 8, "minute": 54}
